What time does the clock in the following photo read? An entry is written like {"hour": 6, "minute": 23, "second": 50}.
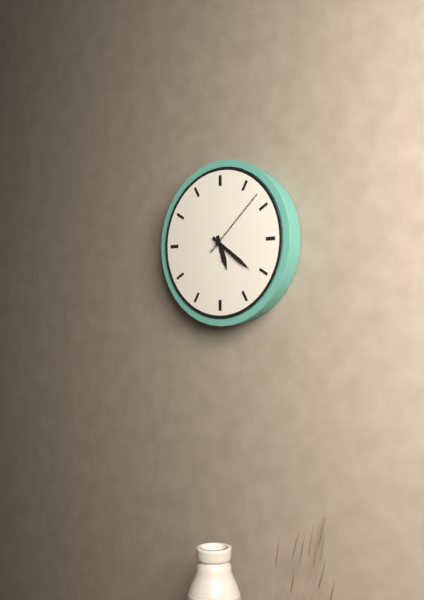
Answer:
{"hour": 5, "minute": 21, "second": 8}
